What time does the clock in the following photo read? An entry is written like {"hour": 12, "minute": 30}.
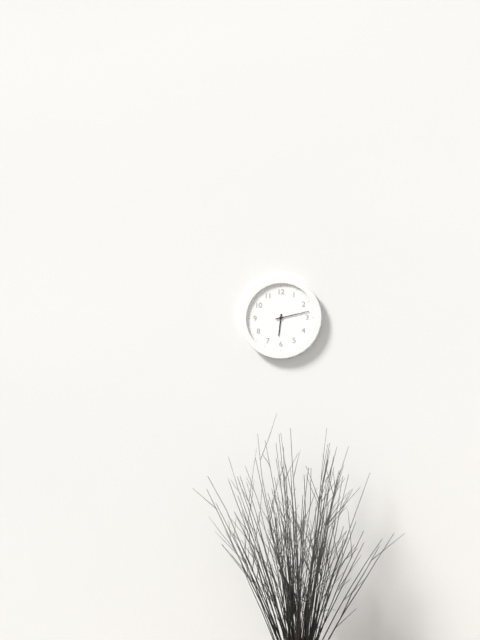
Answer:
{"hour": 6, "minute": 13}
